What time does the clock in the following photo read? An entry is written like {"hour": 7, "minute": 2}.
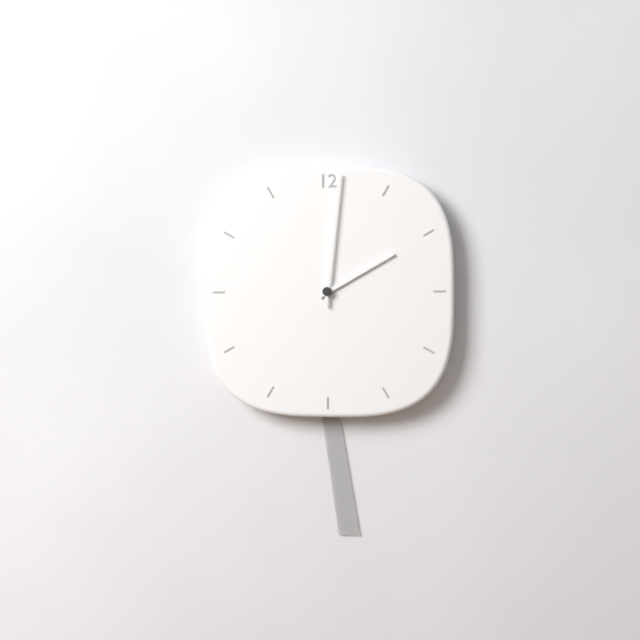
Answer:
{"hour": 2, "minute": 1}
